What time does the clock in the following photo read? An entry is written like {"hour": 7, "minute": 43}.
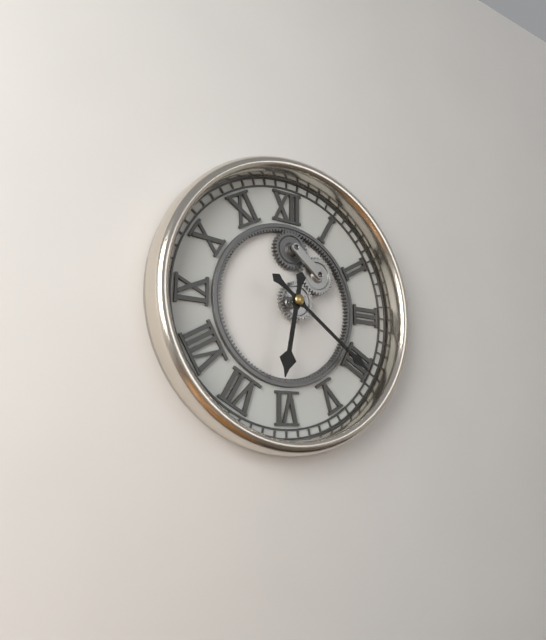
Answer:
{"hour": 6, "minute": 21}
